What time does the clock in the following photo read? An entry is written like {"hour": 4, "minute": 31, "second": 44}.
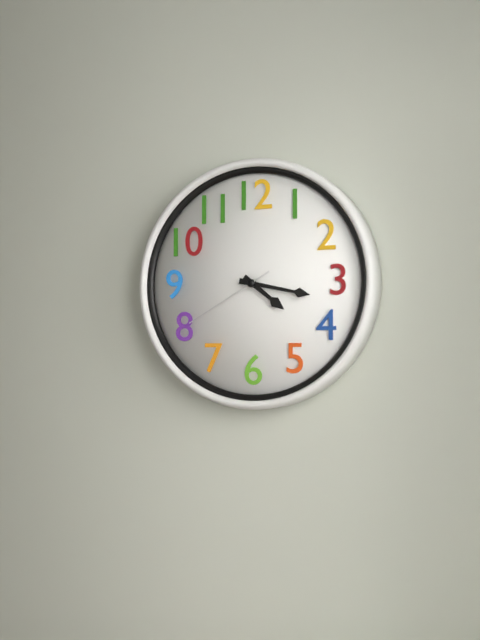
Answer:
{"hour": 4, "minute": 17, "second": 40}
